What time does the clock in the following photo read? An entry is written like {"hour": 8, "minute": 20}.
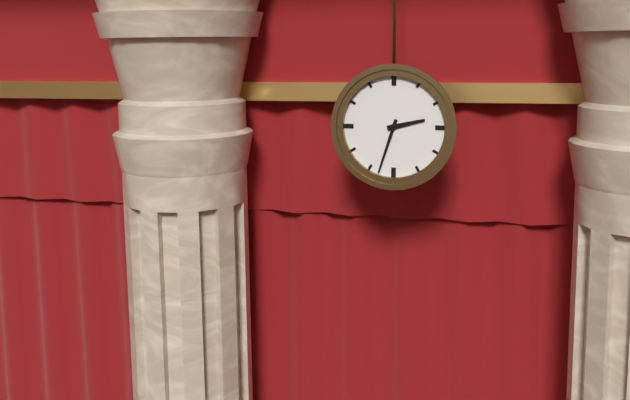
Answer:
{"hour": 2, "minute": 33}
